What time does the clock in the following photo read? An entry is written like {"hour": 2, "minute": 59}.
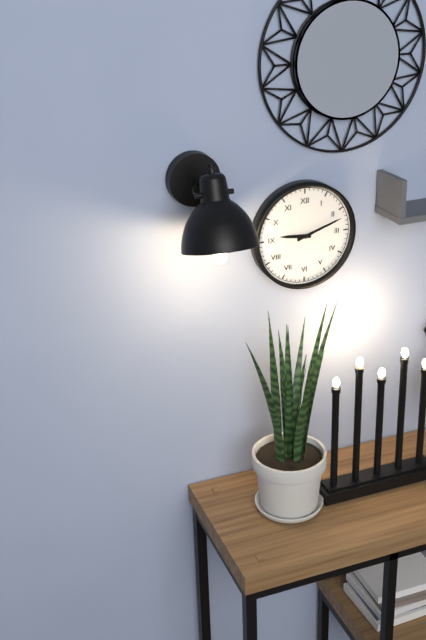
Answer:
{"hour": 9, "minute": 12}
